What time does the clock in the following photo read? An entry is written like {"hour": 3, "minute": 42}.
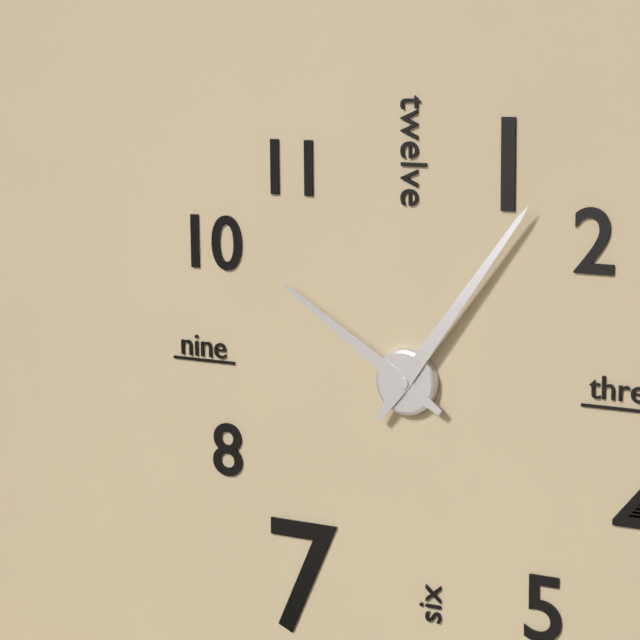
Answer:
{"hour": 10, "minute": 6}
